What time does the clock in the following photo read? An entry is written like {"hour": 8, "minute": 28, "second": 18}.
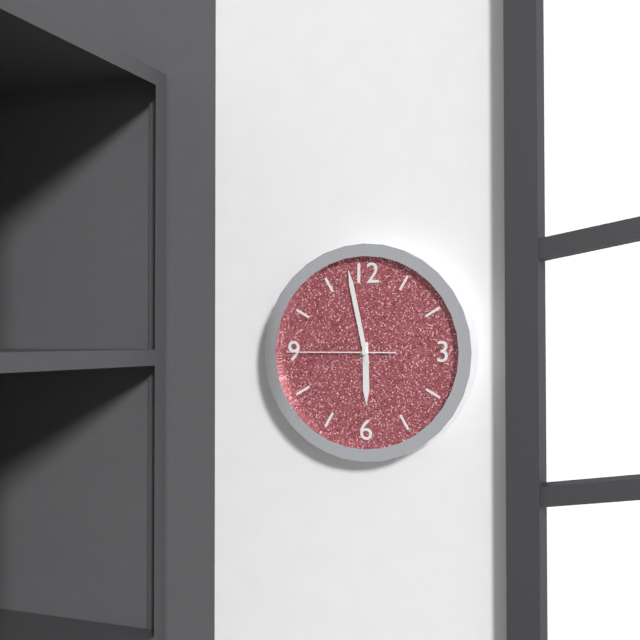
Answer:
{"hour": 5, "minute": 58, "second": 45}
